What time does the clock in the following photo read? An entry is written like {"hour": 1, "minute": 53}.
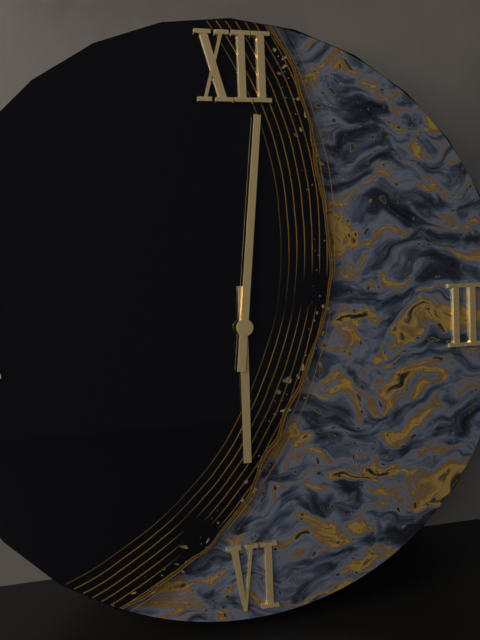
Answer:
{"hour": 6, "minute": 1}
